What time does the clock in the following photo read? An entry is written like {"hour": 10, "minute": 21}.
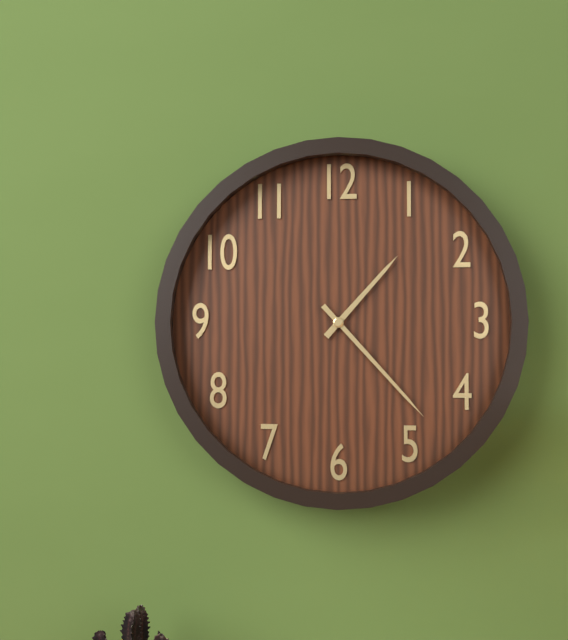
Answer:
{"hour": 1, "minute": 23}
